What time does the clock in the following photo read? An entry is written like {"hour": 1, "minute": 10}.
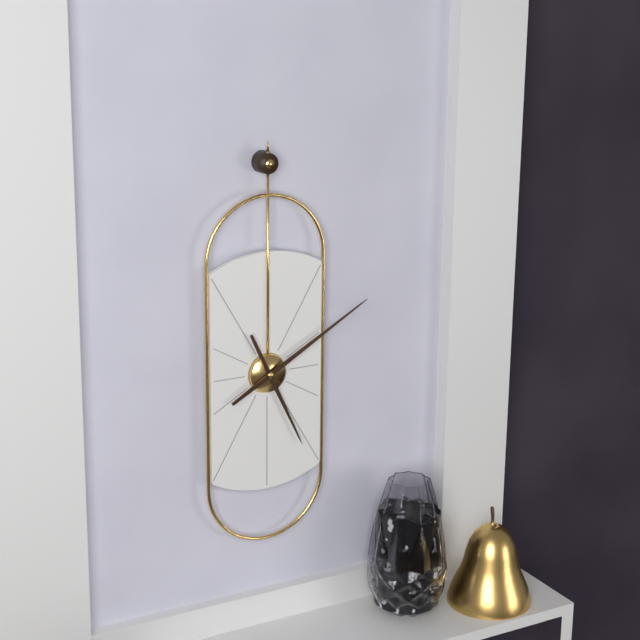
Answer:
{"hour": 5, "minute": 10}
